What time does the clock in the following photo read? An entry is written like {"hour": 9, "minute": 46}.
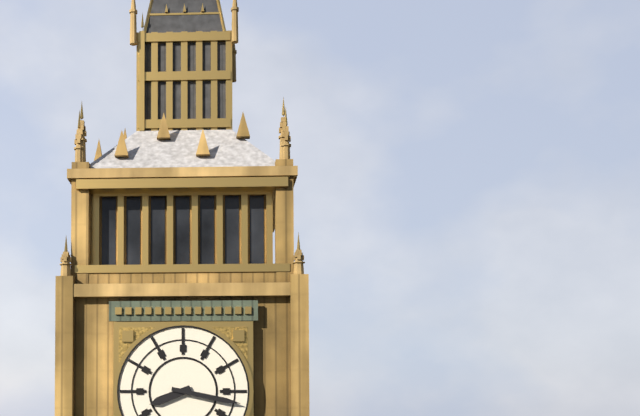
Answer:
{"hour": 8, "minute": 17}
